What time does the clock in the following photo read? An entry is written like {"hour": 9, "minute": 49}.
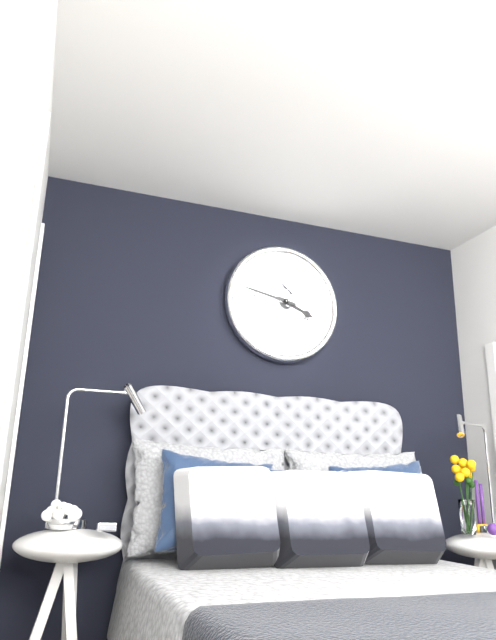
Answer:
{"hour": 3, "minute": 47}
